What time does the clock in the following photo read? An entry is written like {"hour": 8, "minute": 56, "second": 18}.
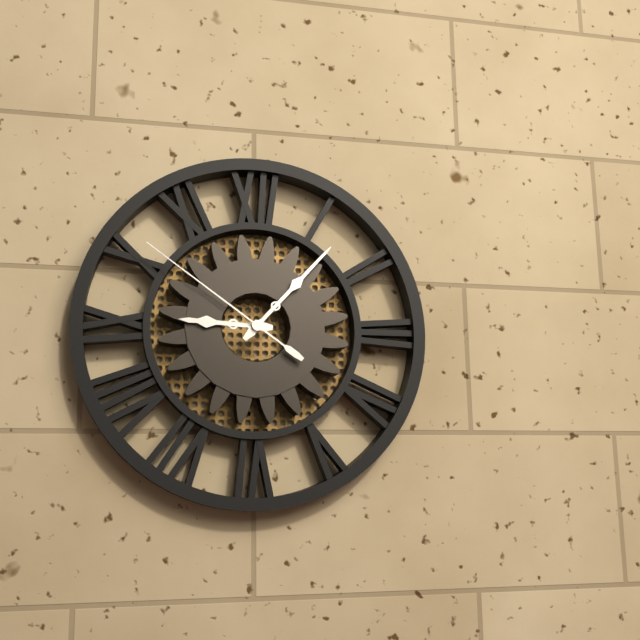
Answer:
{"hour": 9, "minute": 7, "second": 51}
